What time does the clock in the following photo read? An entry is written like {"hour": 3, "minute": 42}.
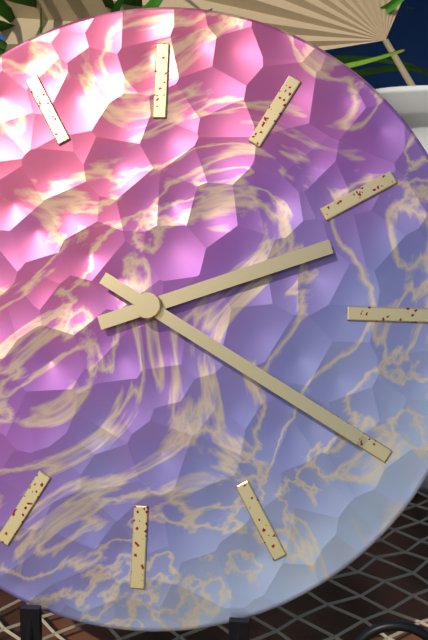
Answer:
{"hour": 2, "minute": 20}
